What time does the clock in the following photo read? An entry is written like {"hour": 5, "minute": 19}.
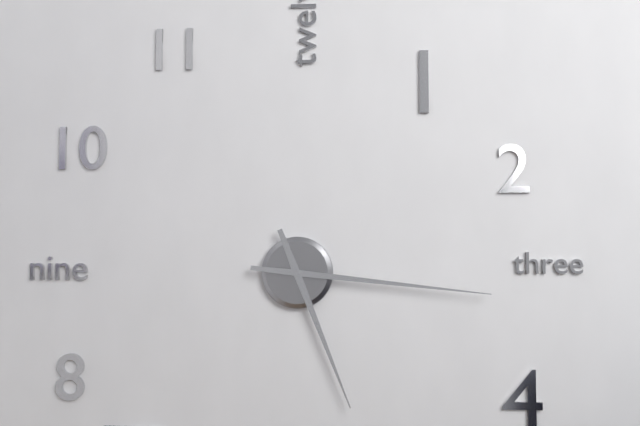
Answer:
{"hour": 5, "minute": 16}
